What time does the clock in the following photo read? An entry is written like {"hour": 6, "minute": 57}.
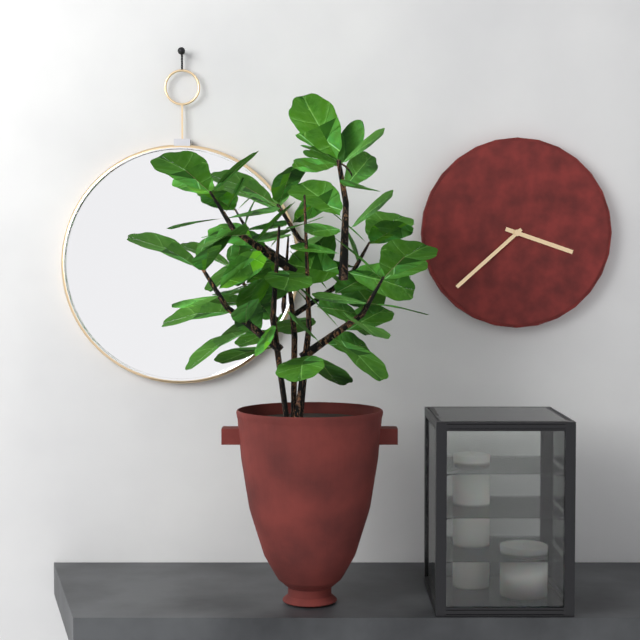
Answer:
{"hour": 3, "minute": 38}
